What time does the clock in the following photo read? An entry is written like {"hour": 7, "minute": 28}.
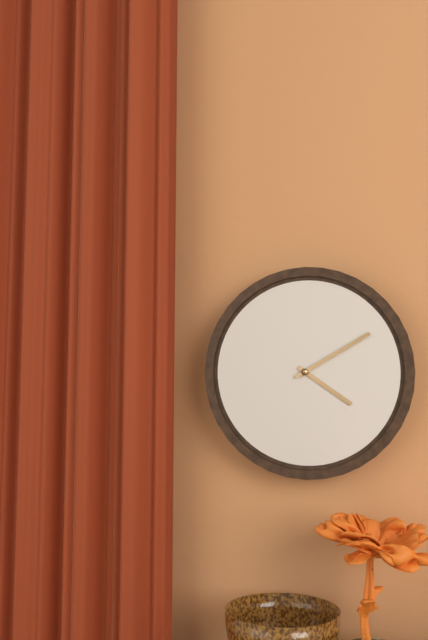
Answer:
{"hour": 4, "minute": 10}
